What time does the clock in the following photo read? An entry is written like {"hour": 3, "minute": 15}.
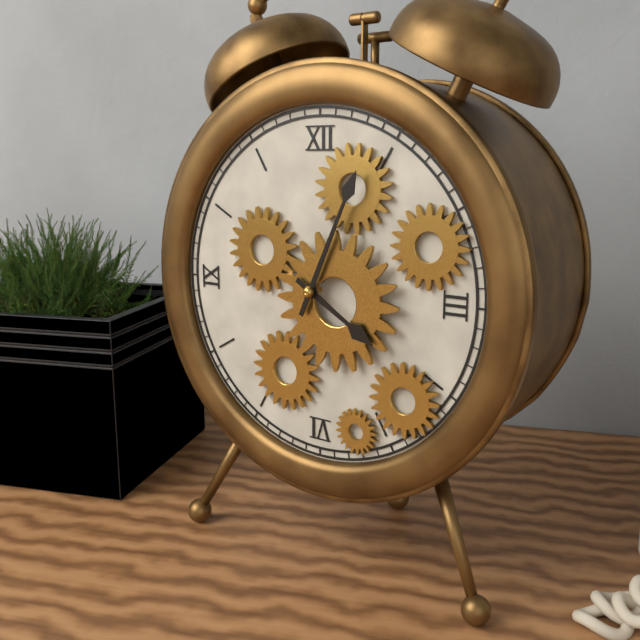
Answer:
{"hour": 4, "minute": 4}
